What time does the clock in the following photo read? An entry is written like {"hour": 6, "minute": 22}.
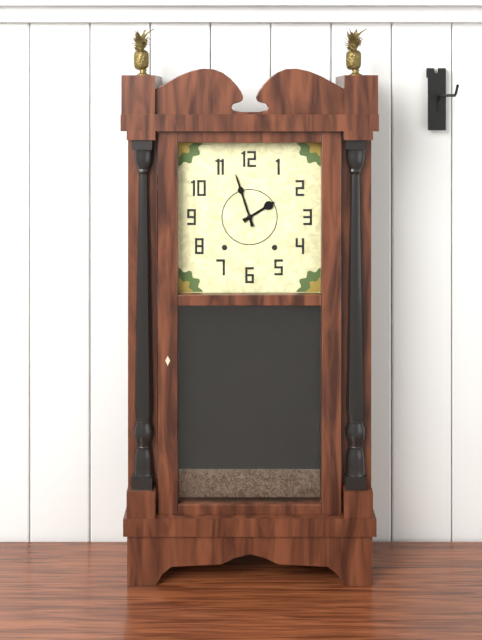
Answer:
{"hour": 1, "minute": 57}
